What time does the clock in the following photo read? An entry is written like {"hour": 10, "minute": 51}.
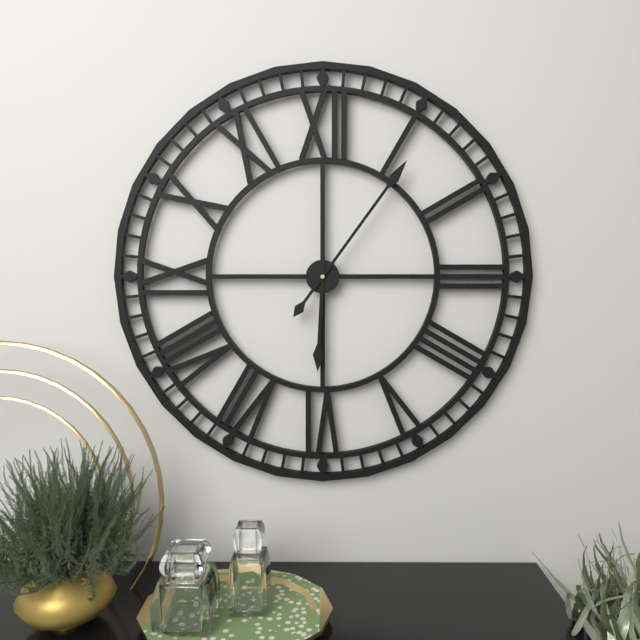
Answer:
{"hour": 6, "minute": 6}
